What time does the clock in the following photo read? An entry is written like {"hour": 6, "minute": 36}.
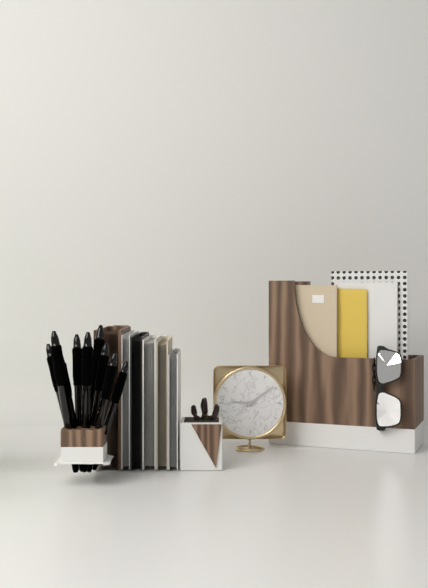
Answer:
{"hour": 9, "minute": 9}
